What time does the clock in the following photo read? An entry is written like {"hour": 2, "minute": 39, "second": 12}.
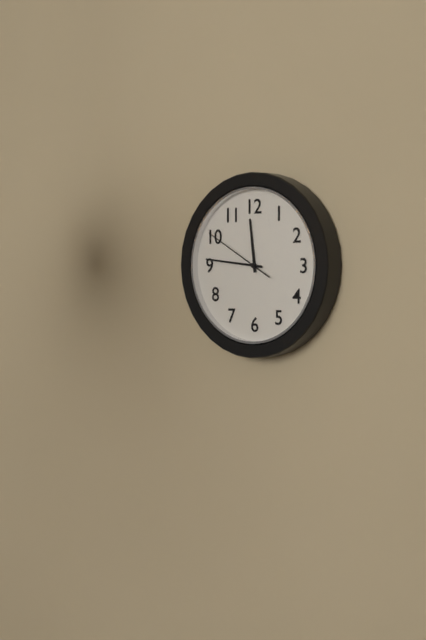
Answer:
{"hour": 11, "minute": 46, "second": 50}
